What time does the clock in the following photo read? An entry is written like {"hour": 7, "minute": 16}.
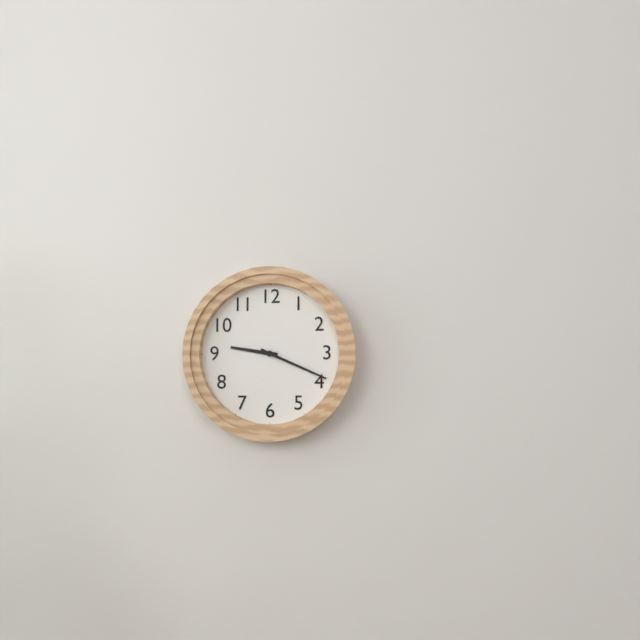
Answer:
{"hour": 9, "minute": 19}
